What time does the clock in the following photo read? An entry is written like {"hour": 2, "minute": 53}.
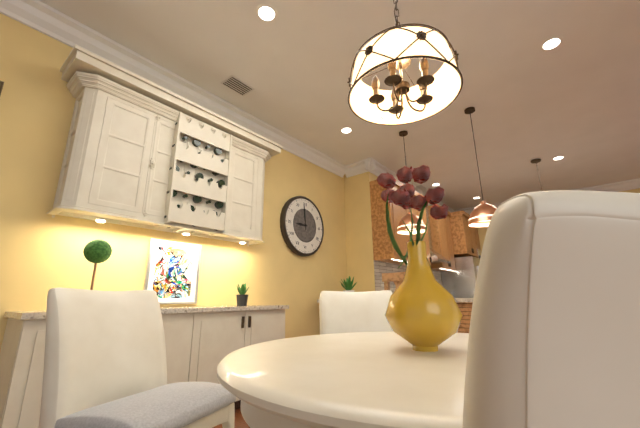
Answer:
{"hour": 8, "minute": 59}
